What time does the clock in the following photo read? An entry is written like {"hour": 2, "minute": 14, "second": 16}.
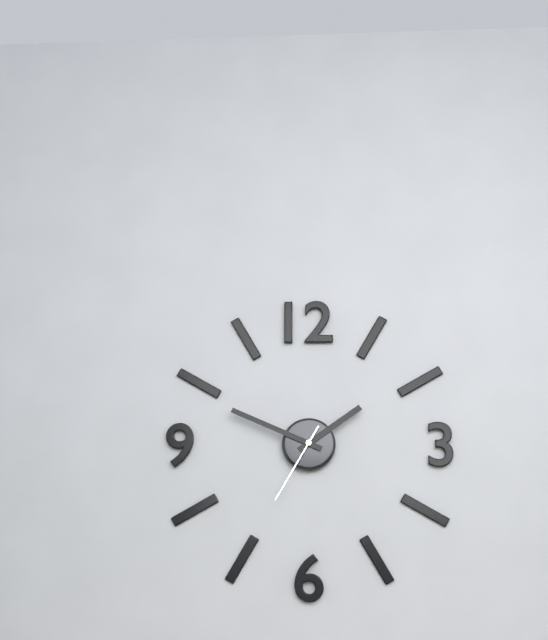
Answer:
{"hour": 1, "minute": 49, "second": 35}
